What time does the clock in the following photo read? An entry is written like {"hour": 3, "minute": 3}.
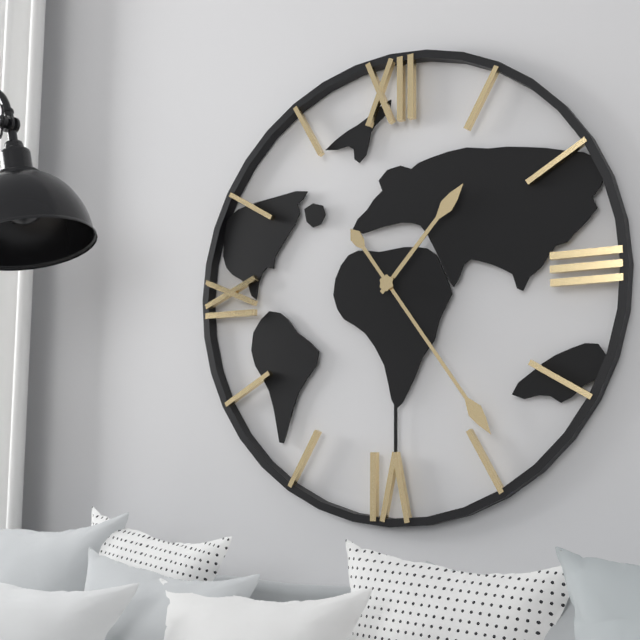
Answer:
{"hour": 1, "minute": 24}
